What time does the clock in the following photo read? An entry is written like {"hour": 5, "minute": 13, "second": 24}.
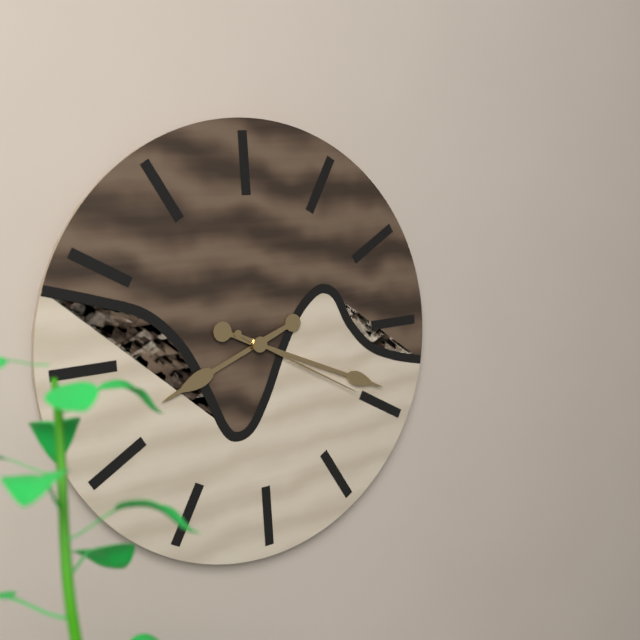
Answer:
{"hour": 8, "minute": 19, "second": 20}
